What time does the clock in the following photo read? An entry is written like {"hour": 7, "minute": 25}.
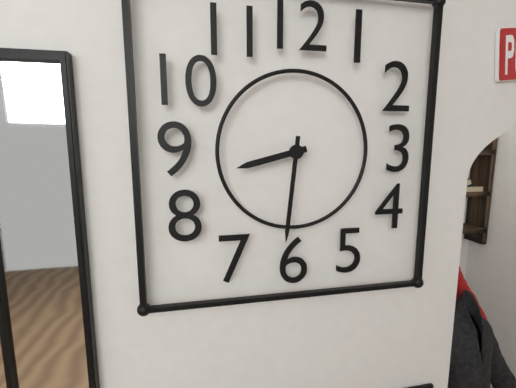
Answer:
{"hour": 8, "minute": 31}
